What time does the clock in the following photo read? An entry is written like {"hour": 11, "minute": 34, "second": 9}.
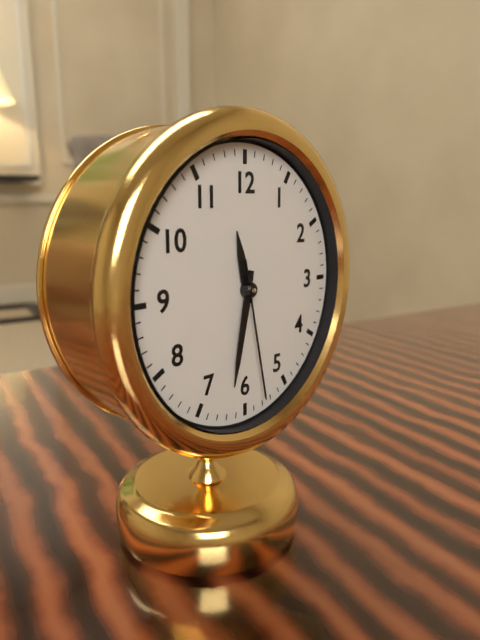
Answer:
{"hour": 11, "minute": 32, "second": 28}
